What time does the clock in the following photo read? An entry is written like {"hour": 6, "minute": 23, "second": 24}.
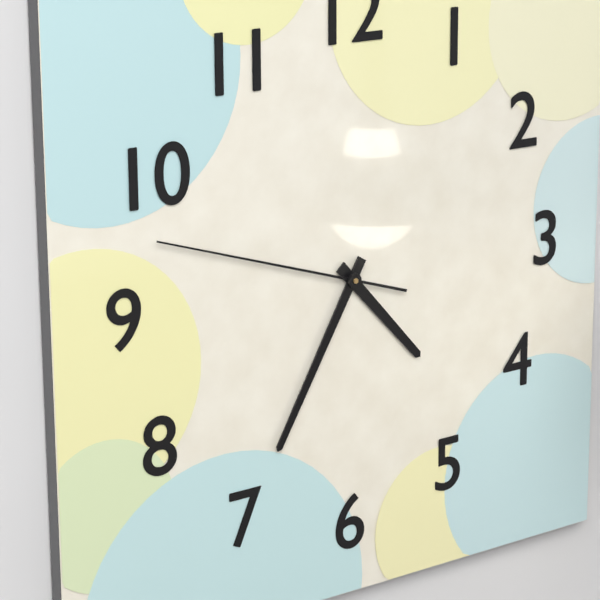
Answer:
{"hour": 4, "minute": 35, "second": 48}
